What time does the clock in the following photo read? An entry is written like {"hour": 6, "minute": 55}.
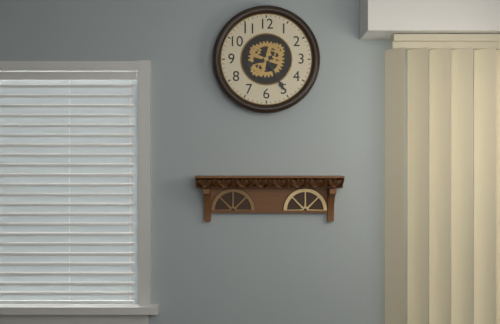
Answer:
{"hour": 8, "minute": 25}
